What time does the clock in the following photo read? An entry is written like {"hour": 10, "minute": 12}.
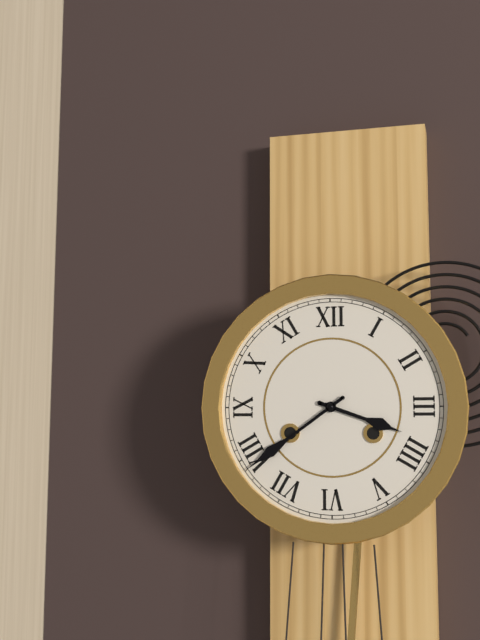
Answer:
{"hour": 3, "minute": 39}
